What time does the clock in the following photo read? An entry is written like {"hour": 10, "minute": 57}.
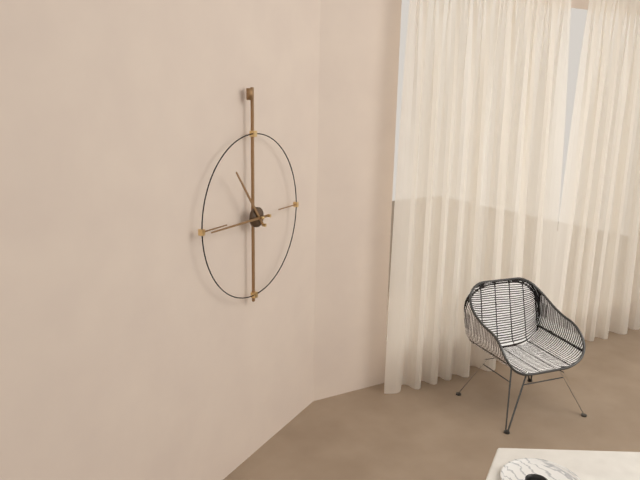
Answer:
{"hour": 10, "minute": 45}
